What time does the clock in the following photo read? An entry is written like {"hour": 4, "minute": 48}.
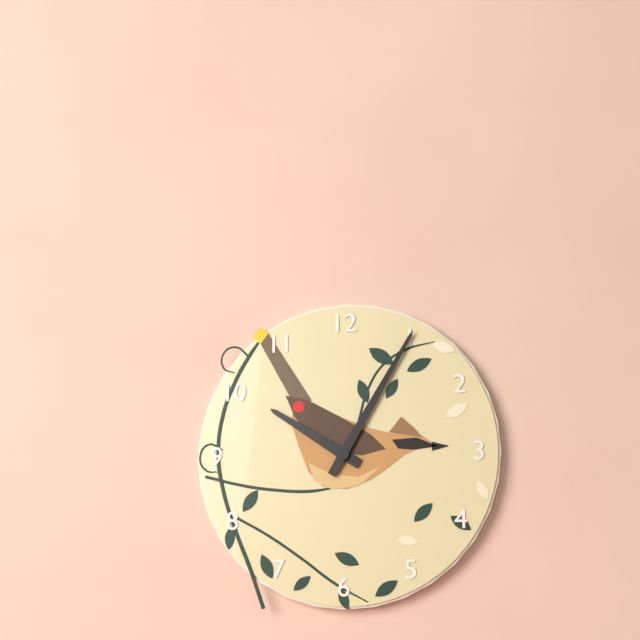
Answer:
{"hour": 10, "minute": 5}
